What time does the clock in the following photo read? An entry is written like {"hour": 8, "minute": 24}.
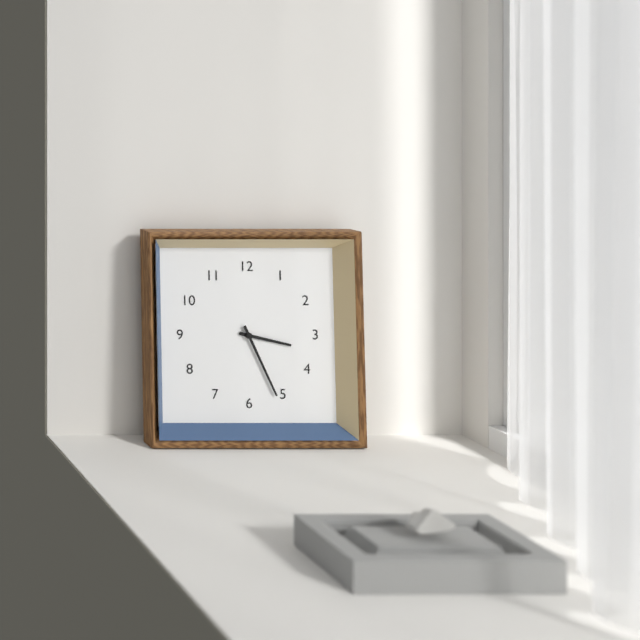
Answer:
{"hour": 3, "minute": 26}
